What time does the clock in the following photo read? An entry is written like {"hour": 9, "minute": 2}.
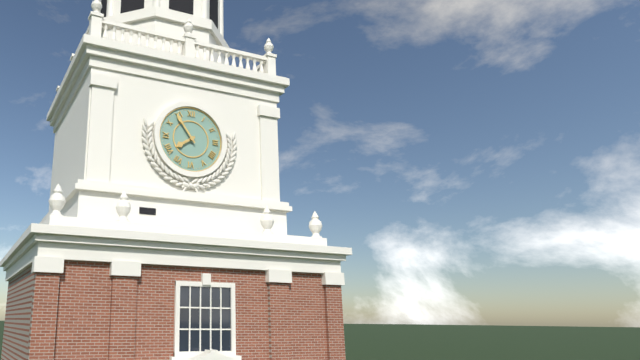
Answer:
{"hour": 7, "minute": 54}
